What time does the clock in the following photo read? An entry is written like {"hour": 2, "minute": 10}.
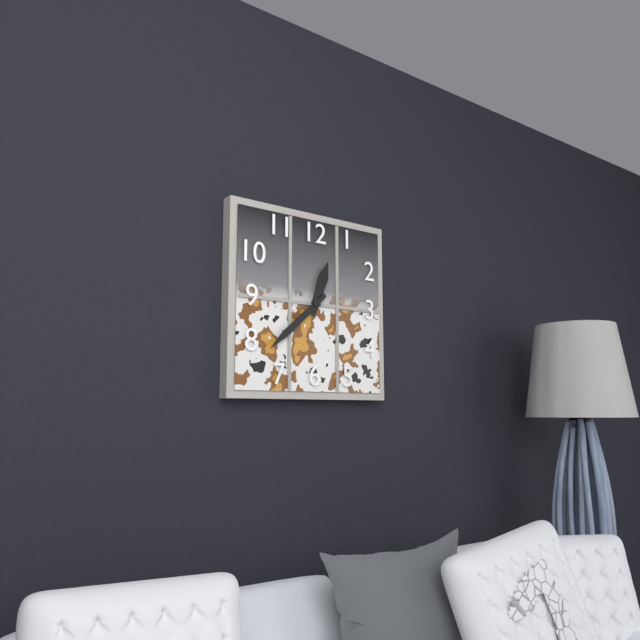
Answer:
{"hour": 12, "minute": 38}
